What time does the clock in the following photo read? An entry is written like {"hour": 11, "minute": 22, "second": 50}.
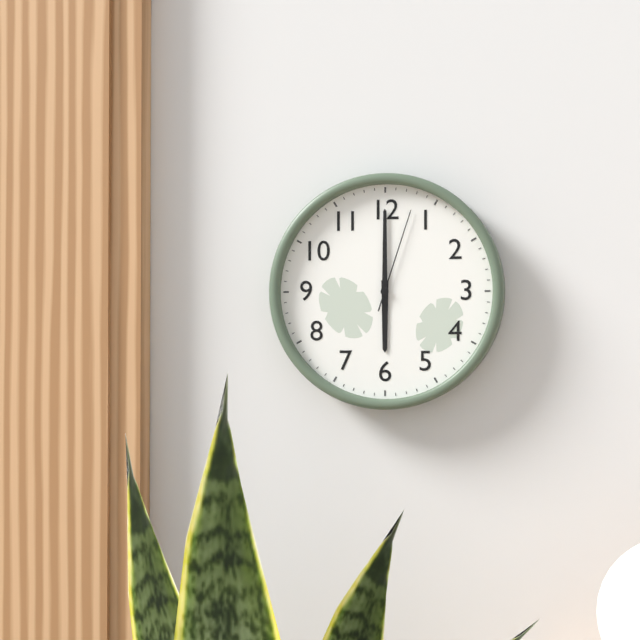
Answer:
{"hour": 6, "minute": 0, "second": 3}
